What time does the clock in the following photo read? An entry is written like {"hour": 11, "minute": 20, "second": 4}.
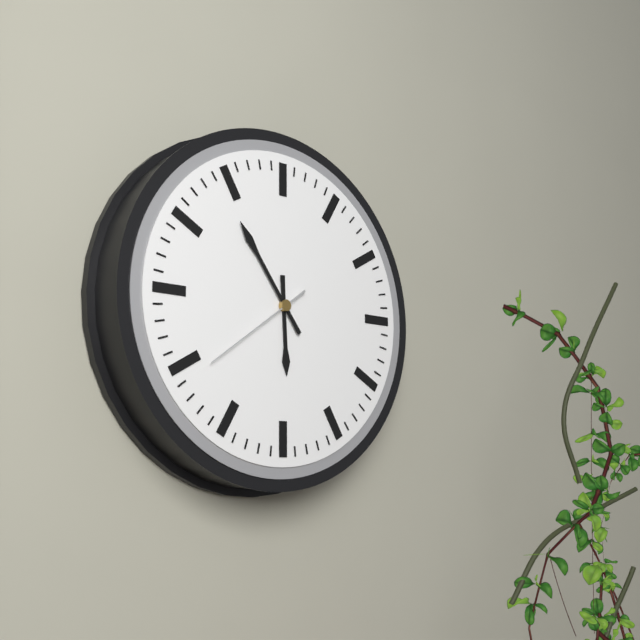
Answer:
{"hour": 5, "minute": 54, "second": 39}
